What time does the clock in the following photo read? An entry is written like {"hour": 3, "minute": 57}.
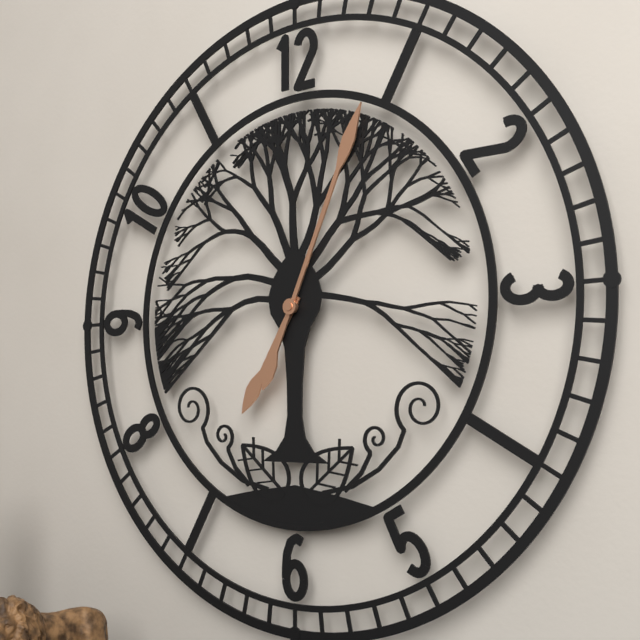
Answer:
{"hour": 7, "minute": 4}
